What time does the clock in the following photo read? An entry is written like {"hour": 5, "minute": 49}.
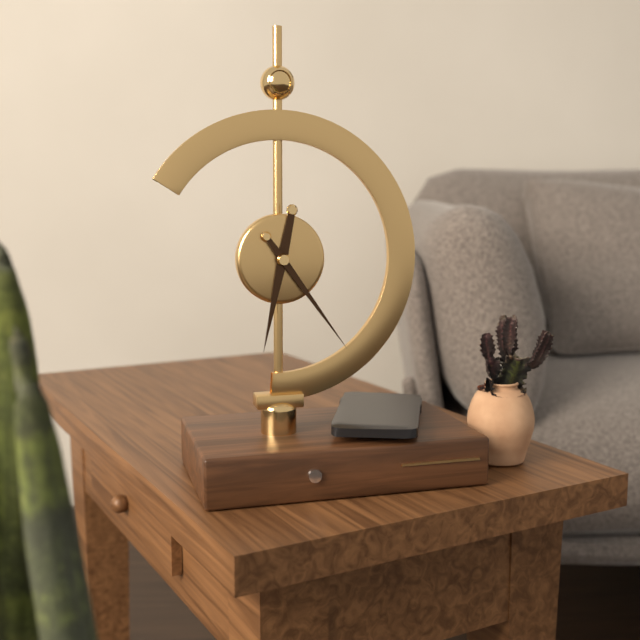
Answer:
{"hour": 6, "minute": 24}
